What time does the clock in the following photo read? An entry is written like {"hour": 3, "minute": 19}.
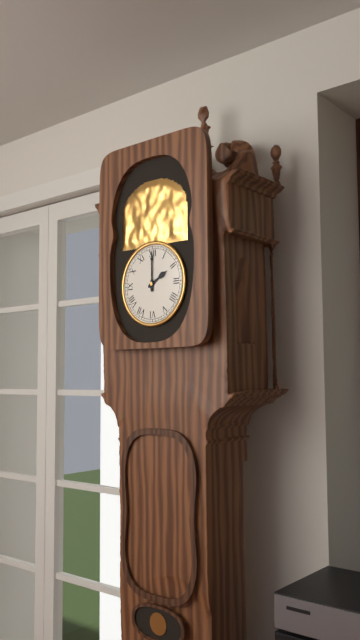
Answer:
{"hour": 2, "minute": 0}
